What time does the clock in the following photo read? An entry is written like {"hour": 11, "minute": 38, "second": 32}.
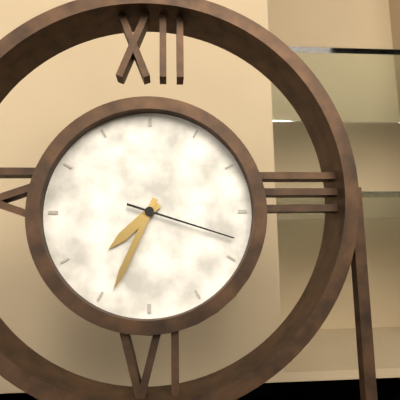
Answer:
{"hour": 7, "minute": 34, "second": 18}
